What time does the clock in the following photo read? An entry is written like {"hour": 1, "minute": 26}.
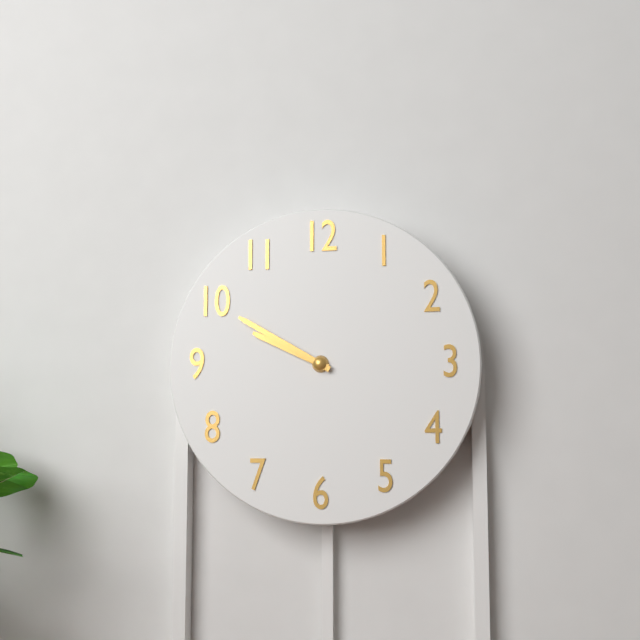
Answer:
{"hour": 9, "minute": 50}
